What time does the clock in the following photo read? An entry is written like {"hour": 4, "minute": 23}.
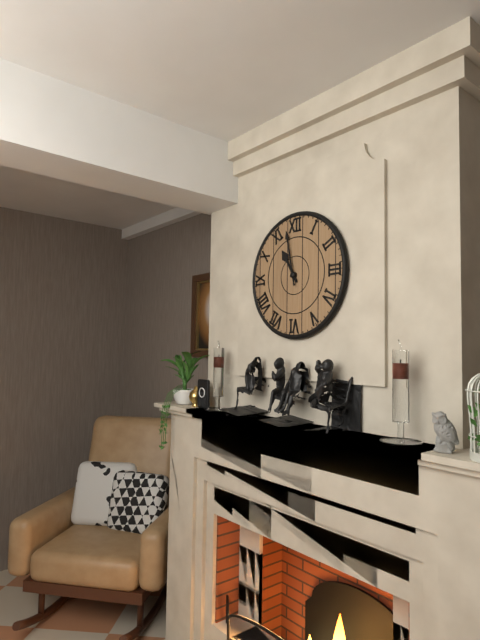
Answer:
{"hour": 10, "minute": 58}
